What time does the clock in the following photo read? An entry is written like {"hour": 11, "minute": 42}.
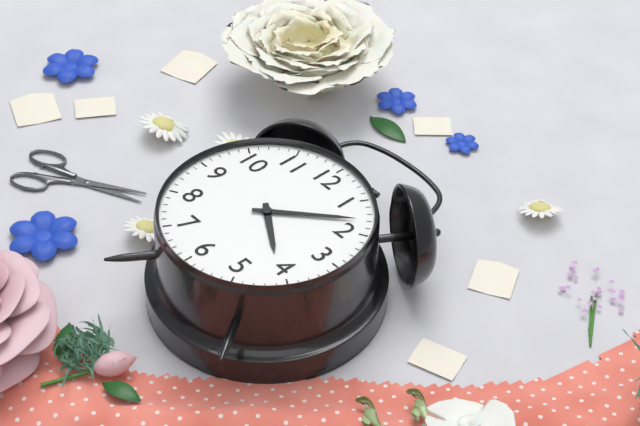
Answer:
{"hour": 4, "minute": 8}
